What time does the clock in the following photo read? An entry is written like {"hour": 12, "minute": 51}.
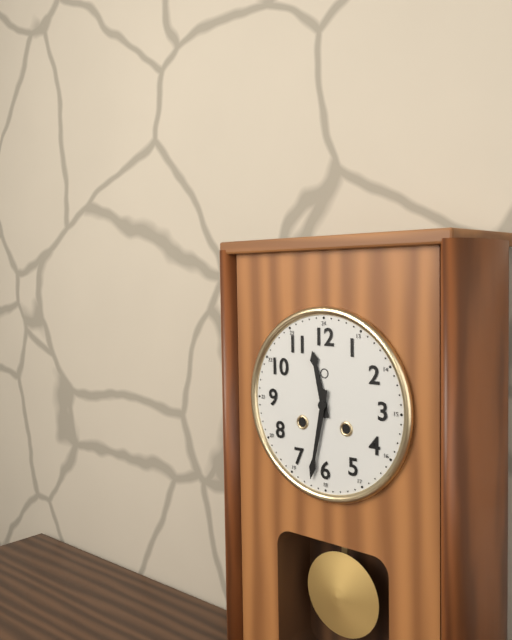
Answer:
{"hour": 11, "minute": 32}
